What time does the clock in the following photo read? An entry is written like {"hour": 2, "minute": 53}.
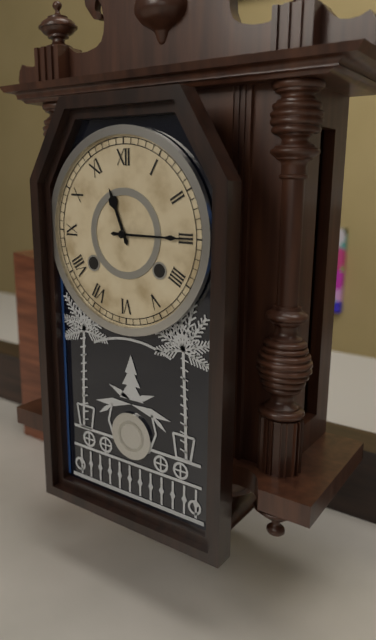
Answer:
{"hour": 11, "minute": 15}
